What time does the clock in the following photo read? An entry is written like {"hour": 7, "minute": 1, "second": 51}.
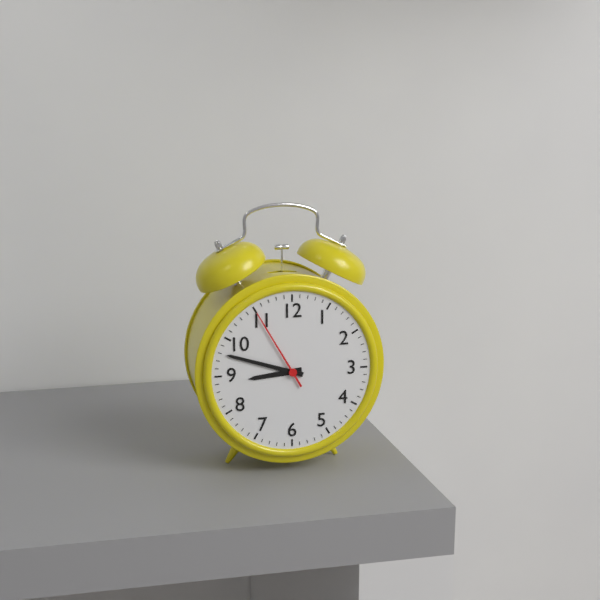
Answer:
{"hour": 8, "minute": 48, "second": 55}
